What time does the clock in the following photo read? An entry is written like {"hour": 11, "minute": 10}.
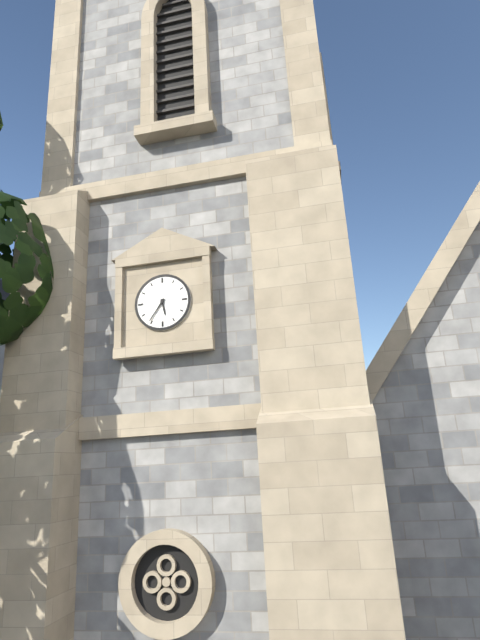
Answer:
{"hour": 5, "minute": 36}
